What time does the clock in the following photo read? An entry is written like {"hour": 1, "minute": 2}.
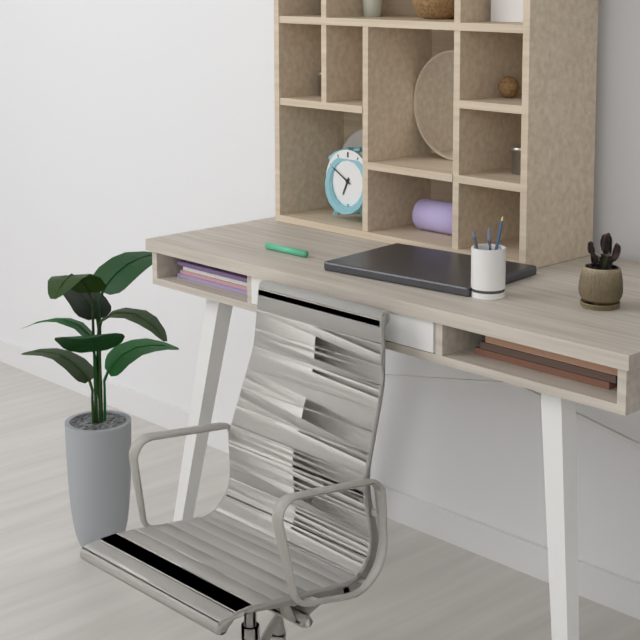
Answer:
{"hour": 6, "minute": 50}
